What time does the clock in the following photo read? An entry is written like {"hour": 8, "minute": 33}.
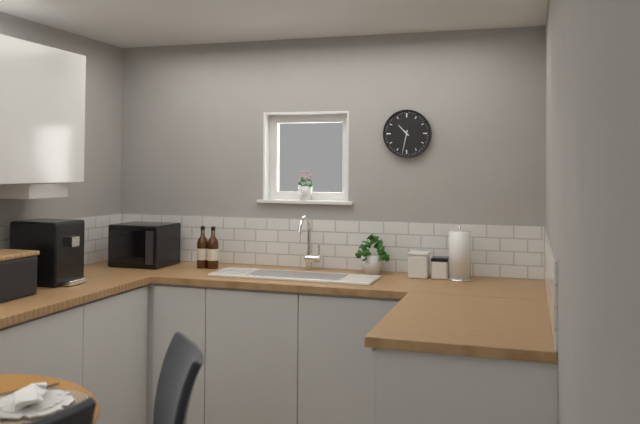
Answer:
{"hour": 10, "minute": 32}
